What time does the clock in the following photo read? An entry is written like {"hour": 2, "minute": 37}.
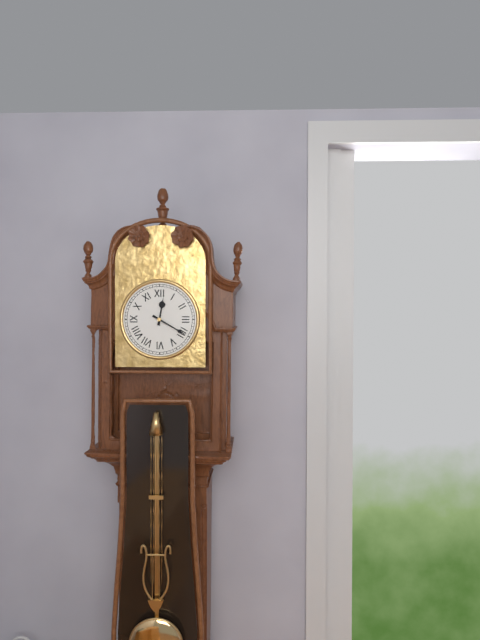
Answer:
{"hour": 12, "minute": 20}
